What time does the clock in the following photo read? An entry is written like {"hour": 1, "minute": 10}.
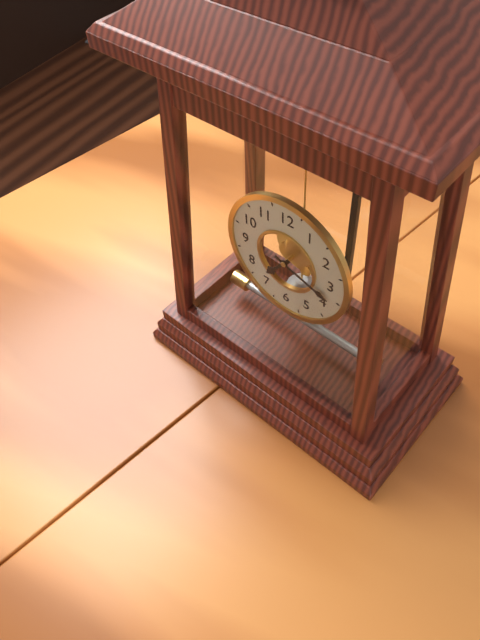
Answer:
{"hour": 7, "minute": 18}
